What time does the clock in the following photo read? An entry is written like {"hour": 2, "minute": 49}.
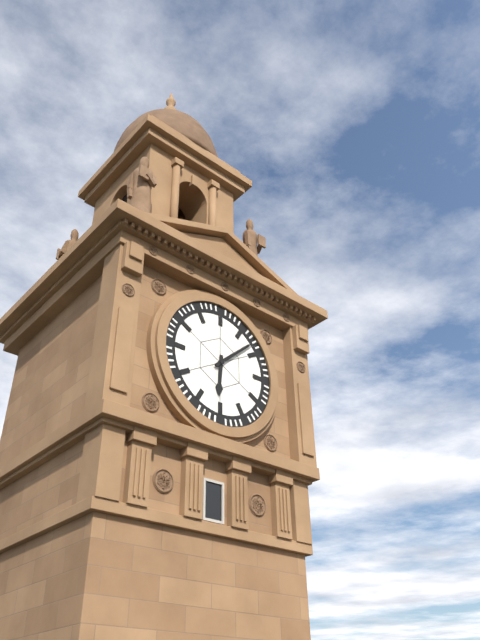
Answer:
{"hour": 6, "minute": 8}
